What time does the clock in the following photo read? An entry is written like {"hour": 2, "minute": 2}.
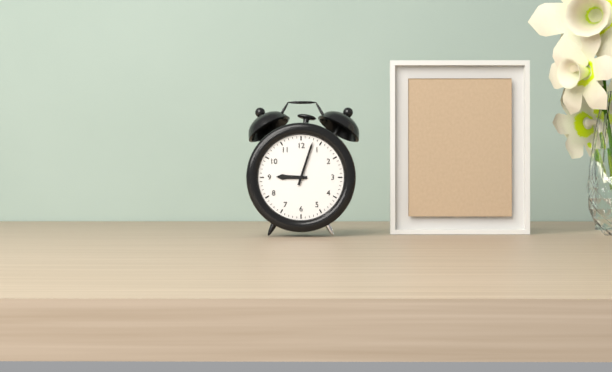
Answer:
{"hour": 9, "minute": 3}
